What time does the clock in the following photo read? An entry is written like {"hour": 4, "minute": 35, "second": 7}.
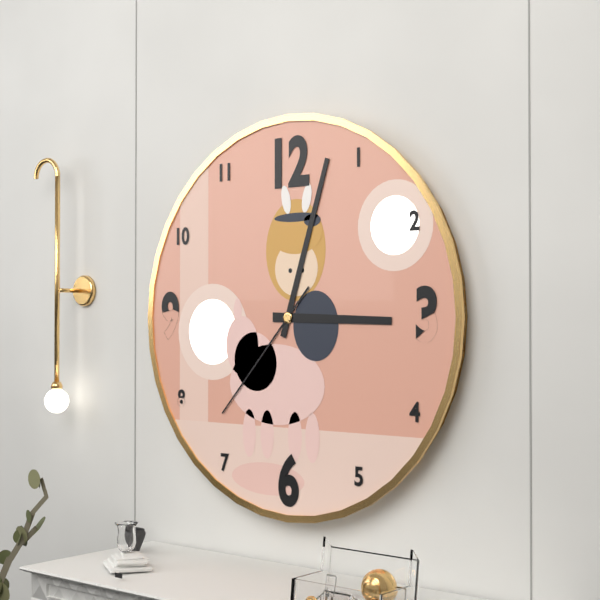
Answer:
{"hour": 3, "minute": 3, "second": 37}
